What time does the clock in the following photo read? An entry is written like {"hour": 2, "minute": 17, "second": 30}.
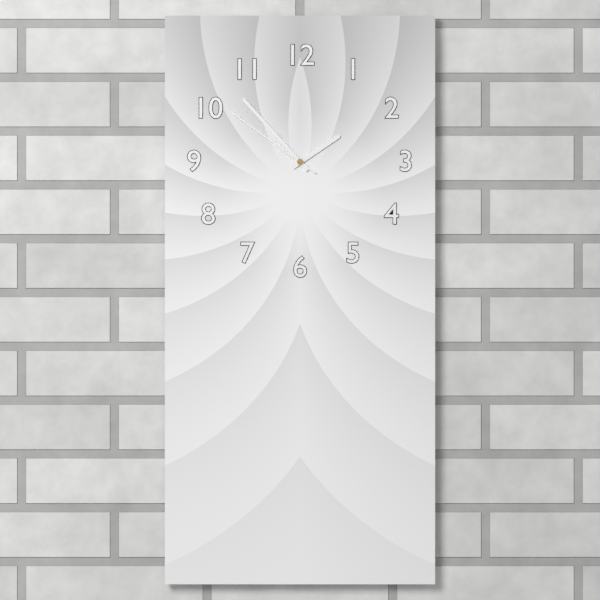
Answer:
{"hour": 1, "minute": 53, "second": 51}
